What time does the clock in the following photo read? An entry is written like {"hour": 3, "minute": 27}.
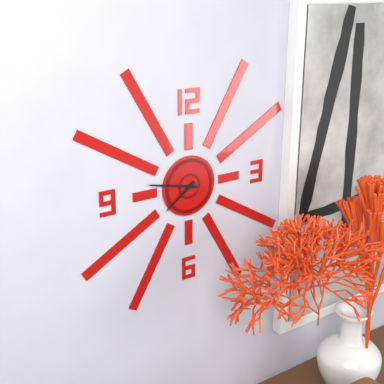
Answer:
{"hour": 7, "minute": 47}
